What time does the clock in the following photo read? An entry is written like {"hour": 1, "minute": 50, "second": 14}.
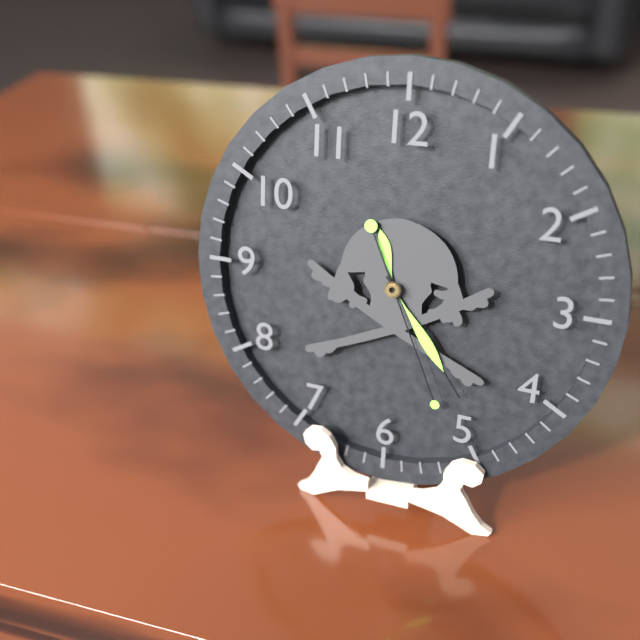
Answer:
{"hour": 11, "minute": 24, "second": 26}
